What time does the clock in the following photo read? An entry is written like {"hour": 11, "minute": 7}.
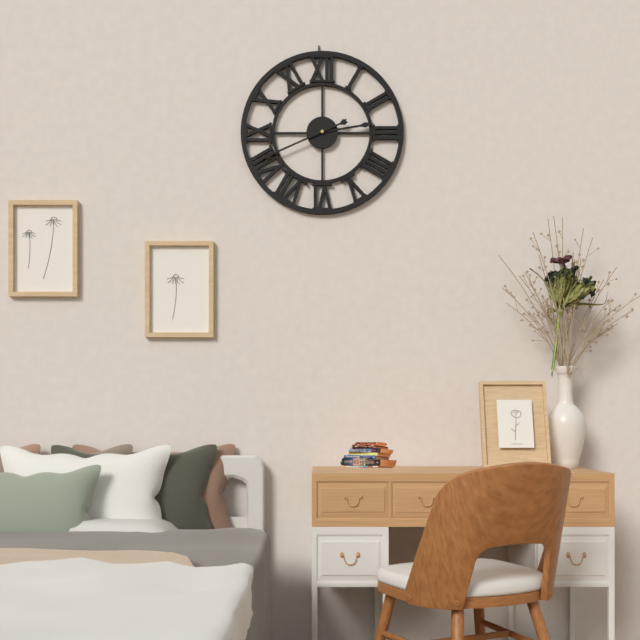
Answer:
{"hour": 2, "minute": 41}
